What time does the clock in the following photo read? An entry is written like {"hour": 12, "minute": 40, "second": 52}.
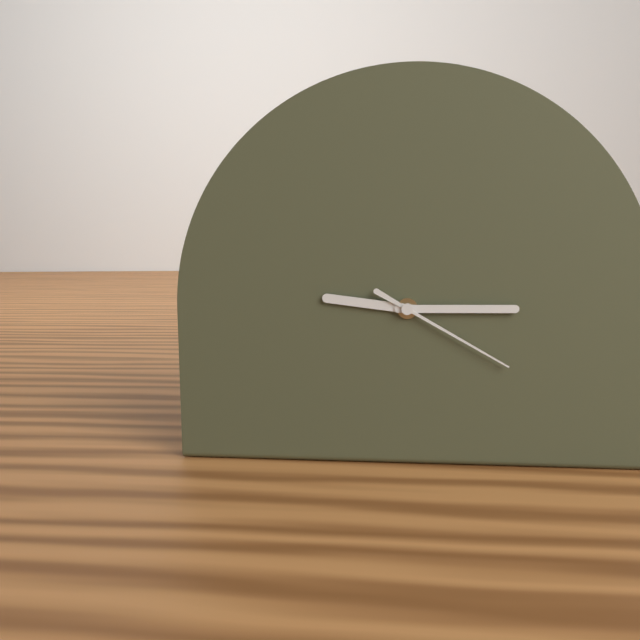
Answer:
{"hour": 9, "minute": 15, "second": 20}
